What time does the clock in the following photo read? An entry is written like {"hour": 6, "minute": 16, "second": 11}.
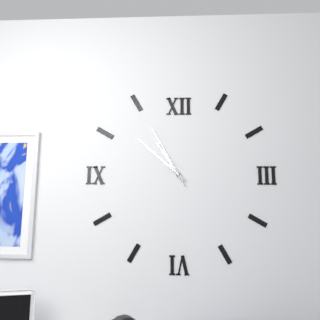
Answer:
{"hour": 10, "minute": 52, "second": 55}
